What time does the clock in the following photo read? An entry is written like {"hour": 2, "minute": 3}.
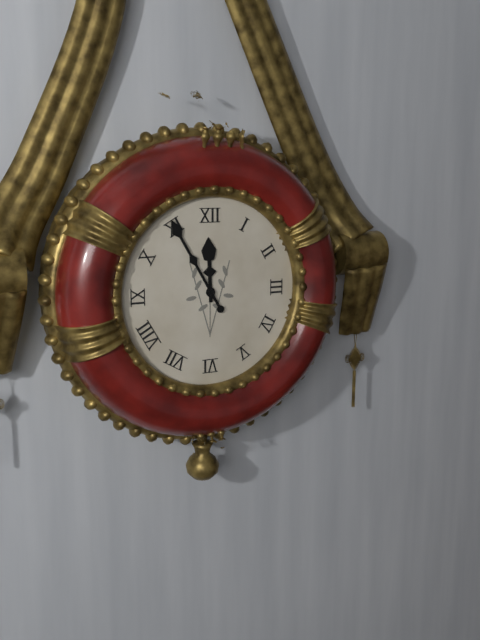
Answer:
{"hour": 11, "minute": 55}
